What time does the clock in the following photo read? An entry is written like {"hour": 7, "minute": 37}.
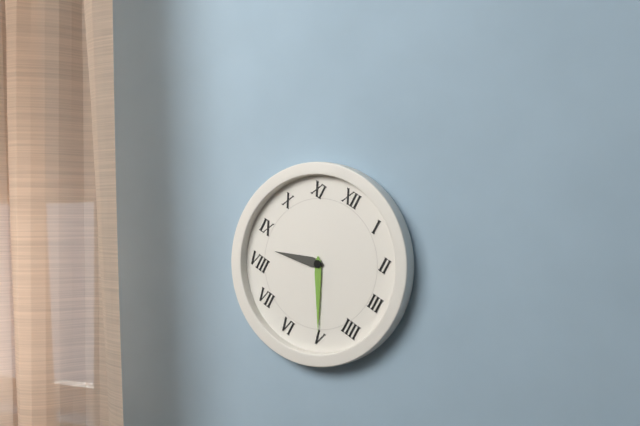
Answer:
{"hour": 8, "minute": 25}
